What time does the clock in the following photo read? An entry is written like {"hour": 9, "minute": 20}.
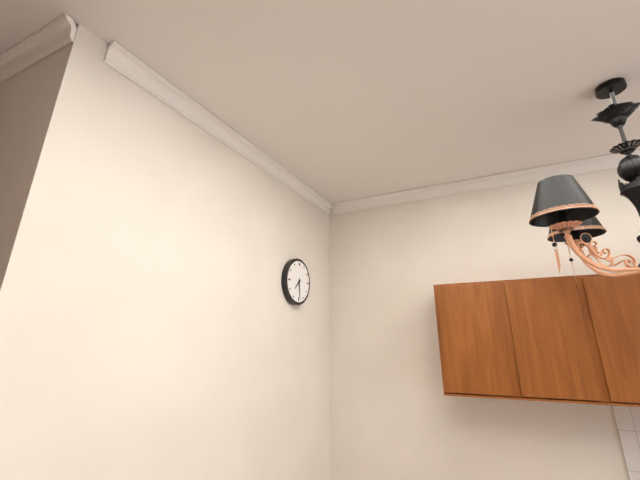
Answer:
{"hour": 7, "minute": 29}
